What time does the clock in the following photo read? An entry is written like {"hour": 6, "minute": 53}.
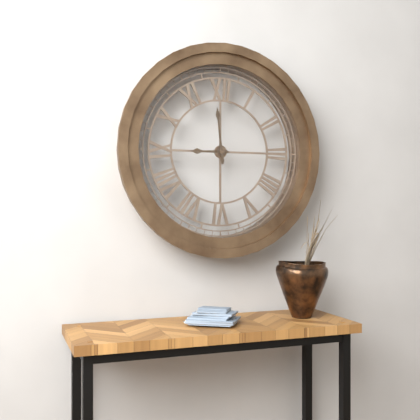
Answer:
{"hour": 8, "minute": 59}
